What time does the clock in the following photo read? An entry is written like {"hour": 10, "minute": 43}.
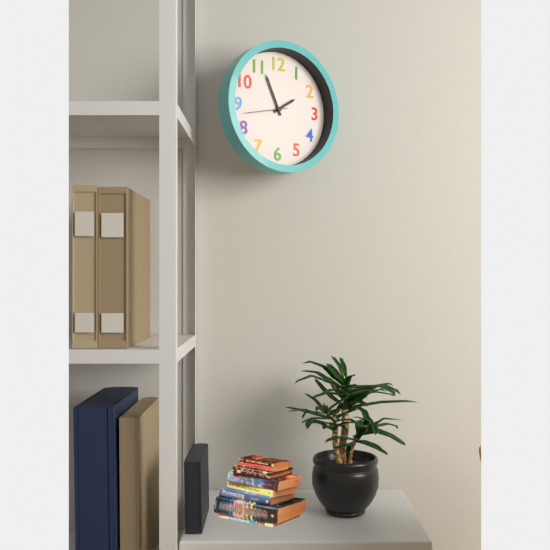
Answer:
{"hour": 1, "minute": 56}
